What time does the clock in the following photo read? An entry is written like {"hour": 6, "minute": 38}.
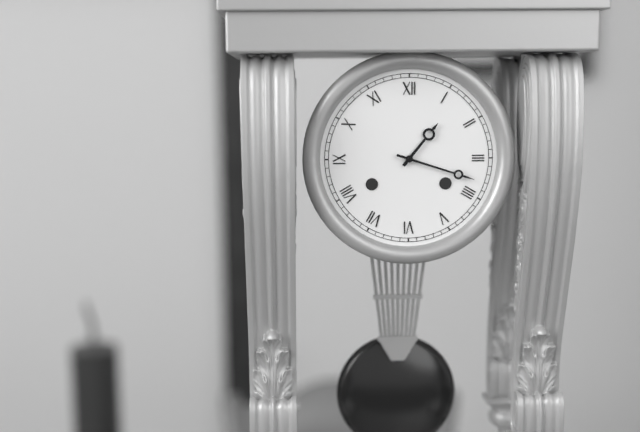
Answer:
{"hour": 1, "minute": 18}
